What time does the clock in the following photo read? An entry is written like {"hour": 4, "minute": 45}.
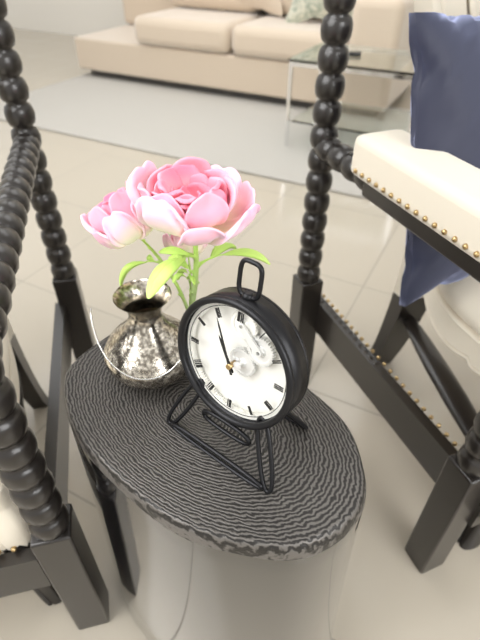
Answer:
{"hour": 10, "minute": 56}
